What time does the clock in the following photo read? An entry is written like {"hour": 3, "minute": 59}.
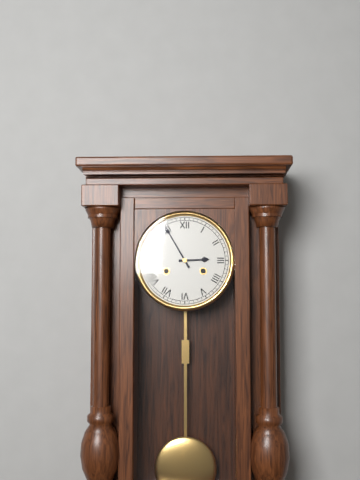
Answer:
{"hour": 2, "minute": 55}
